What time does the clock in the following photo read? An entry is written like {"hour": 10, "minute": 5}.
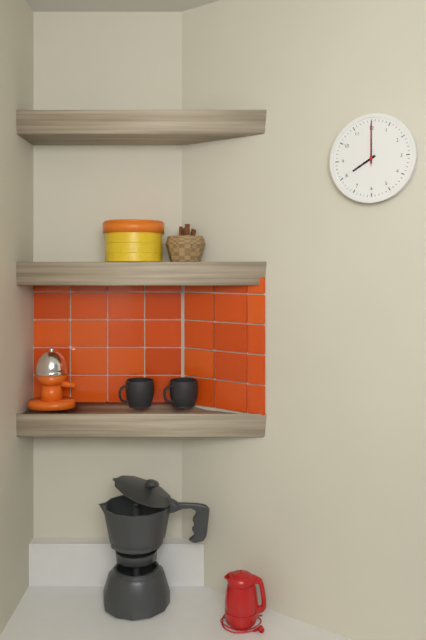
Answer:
{"hour": 8, "minute": 0}
